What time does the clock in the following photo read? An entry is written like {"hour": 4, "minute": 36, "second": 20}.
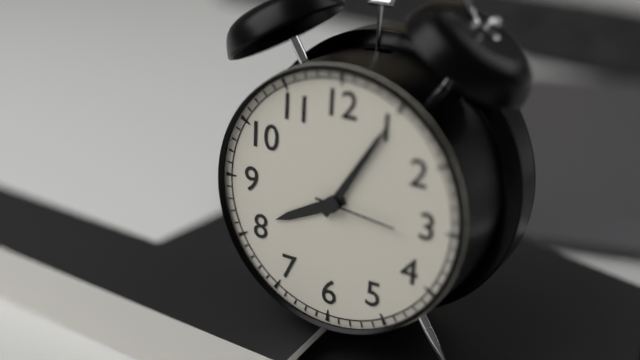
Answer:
{"hour": 8, "minute": 5, "second": 16}
